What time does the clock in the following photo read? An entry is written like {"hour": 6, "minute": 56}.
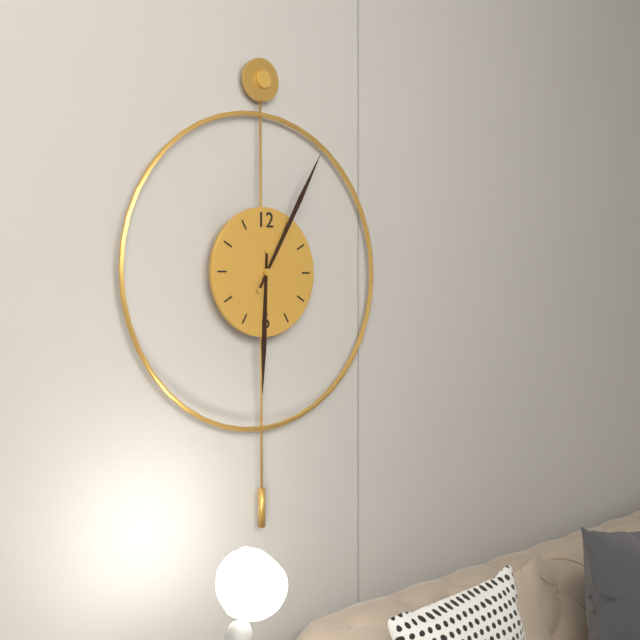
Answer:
{"hour": 6, "minute": 5}
